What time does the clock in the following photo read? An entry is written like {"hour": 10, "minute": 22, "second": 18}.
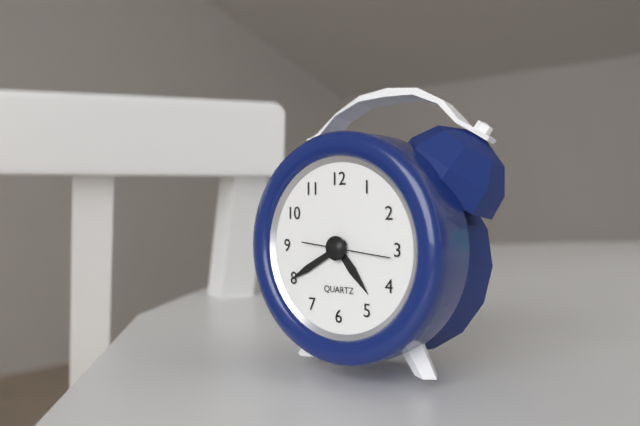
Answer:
{"hour": 4, "minute": 40, "second": 16}
